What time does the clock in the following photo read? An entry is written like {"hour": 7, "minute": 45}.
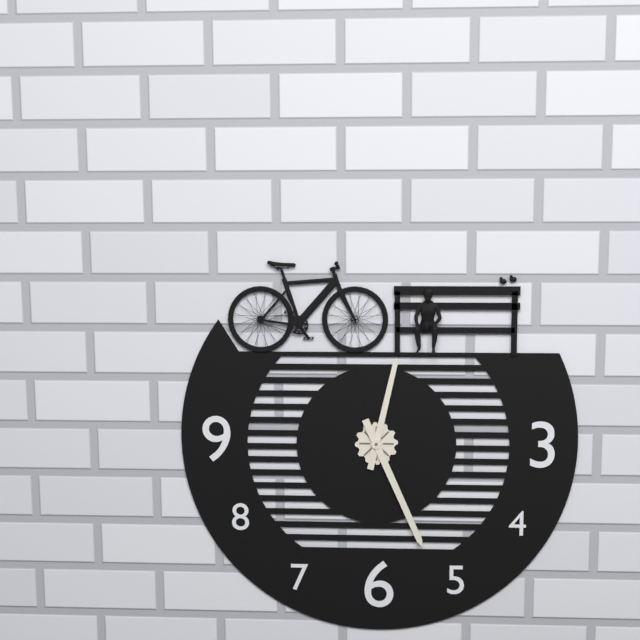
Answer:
{"hour": 12, "minute": 26}
